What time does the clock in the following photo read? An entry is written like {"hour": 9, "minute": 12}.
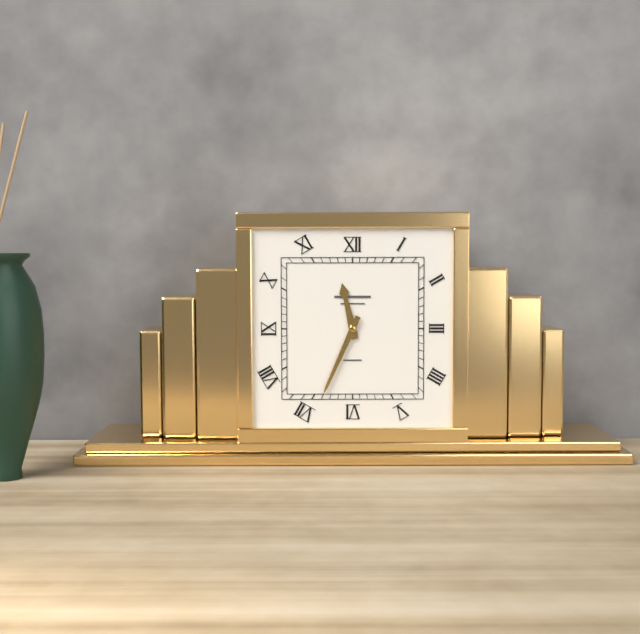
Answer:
{"hour": 11, "minute": 34}
